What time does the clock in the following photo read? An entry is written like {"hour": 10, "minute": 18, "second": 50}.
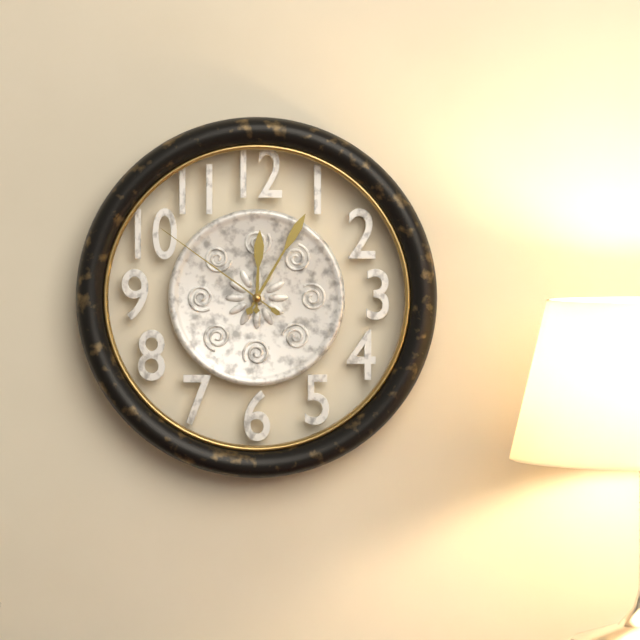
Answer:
{"hour": 12, "minute": 5, "second": 51}
